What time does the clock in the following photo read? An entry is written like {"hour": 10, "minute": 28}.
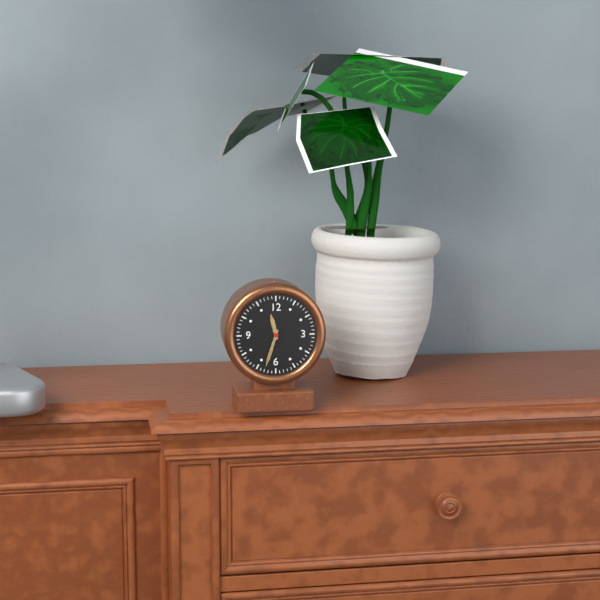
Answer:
{"hour": 11, "minute": 33}
